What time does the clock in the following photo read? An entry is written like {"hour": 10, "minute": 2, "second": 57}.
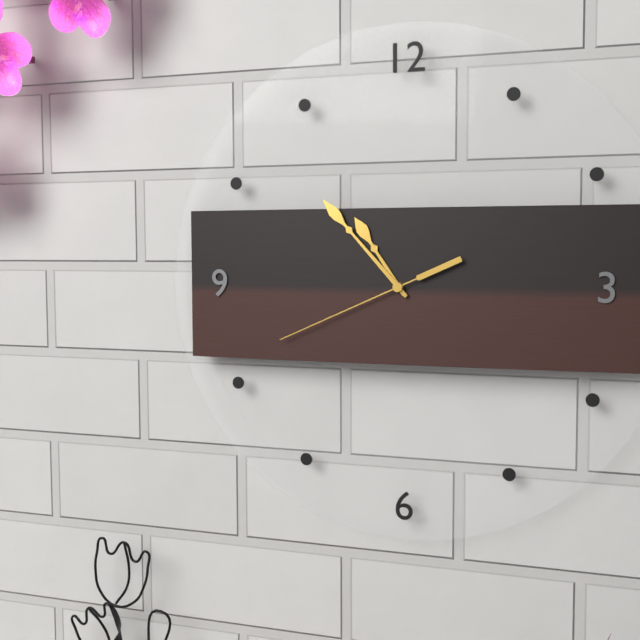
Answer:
{"hour": 10, "minute": 53, "second": 41}
